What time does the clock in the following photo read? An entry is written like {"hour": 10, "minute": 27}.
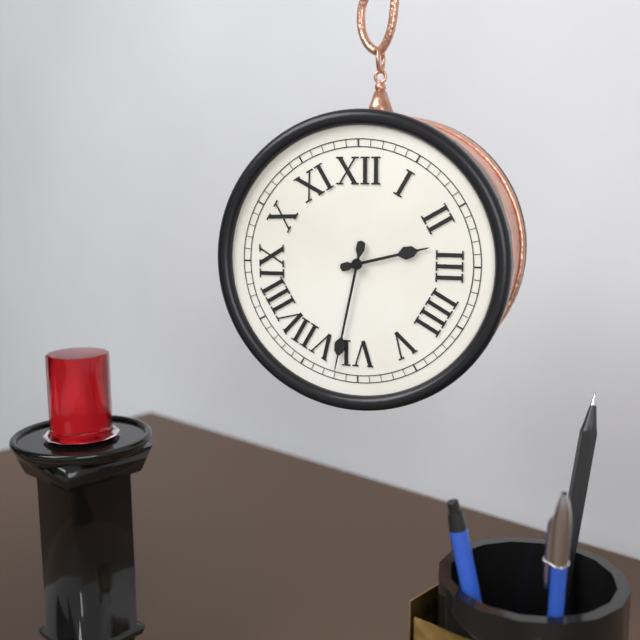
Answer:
{"hour": 2, "minute": 32}
